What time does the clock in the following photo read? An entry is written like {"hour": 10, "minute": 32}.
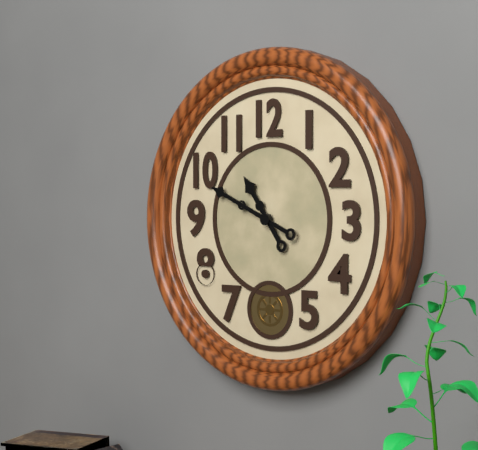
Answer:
{"hour": 10, "minute": 49}
